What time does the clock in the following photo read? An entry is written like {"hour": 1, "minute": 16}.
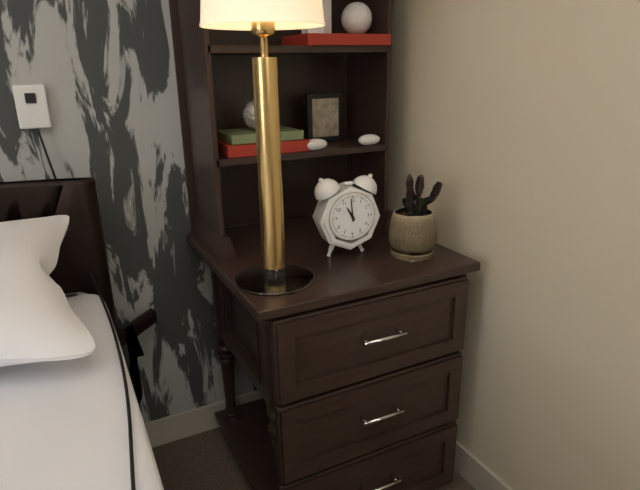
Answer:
{"hour": 10, "minute": 59}
